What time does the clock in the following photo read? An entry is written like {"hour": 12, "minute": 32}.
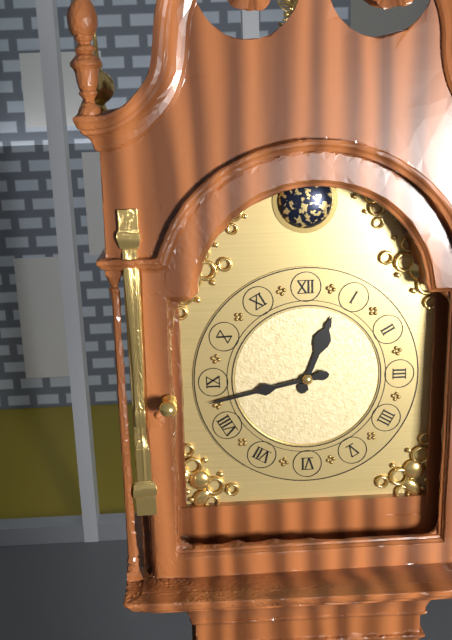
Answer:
{"hour": 12, "minute": 43}
